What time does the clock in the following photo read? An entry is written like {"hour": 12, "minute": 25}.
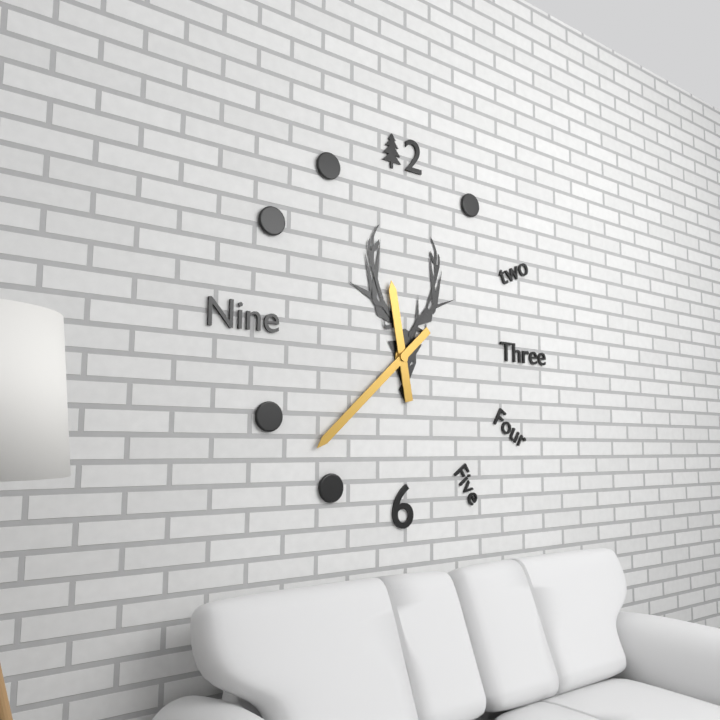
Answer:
{"hour": 11, "minute": 38}
